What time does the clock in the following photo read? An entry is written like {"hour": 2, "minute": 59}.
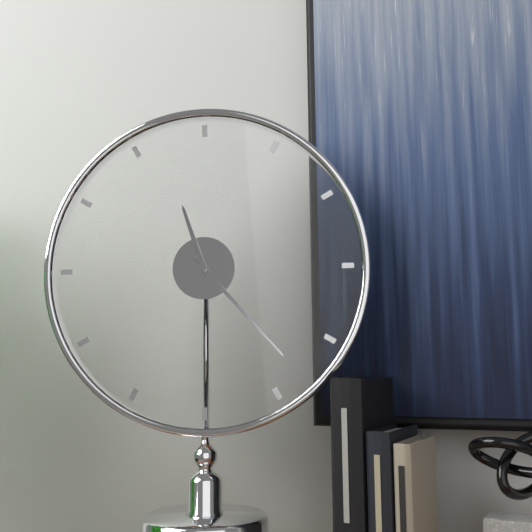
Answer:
{"hour": 11, "minute": 23}
